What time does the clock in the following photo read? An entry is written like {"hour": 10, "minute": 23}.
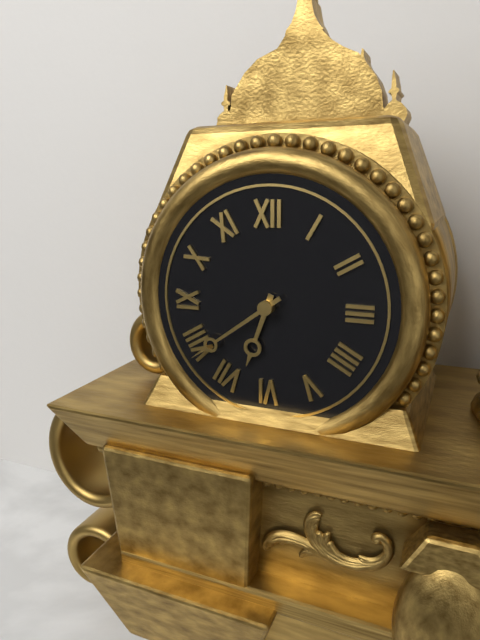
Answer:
{"hour": 6, "minute": 39}
